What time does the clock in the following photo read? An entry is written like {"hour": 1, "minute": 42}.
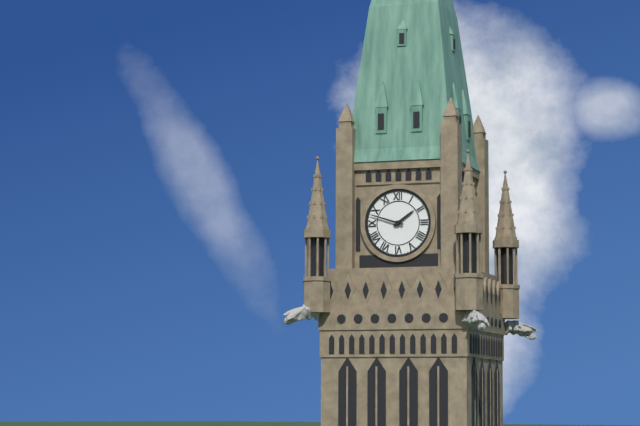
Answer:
{"hour": 1, "minute": 48}
